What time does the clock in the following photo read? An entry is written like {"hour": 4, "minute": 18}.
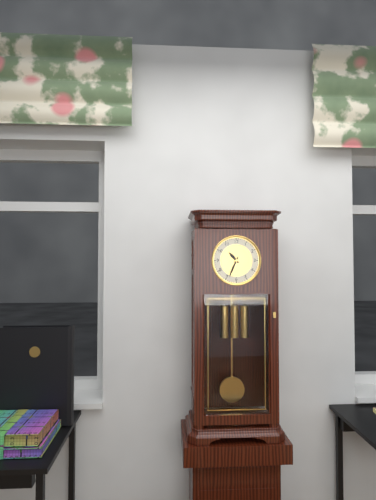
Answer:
{"hour": 10, "minute": 34}
